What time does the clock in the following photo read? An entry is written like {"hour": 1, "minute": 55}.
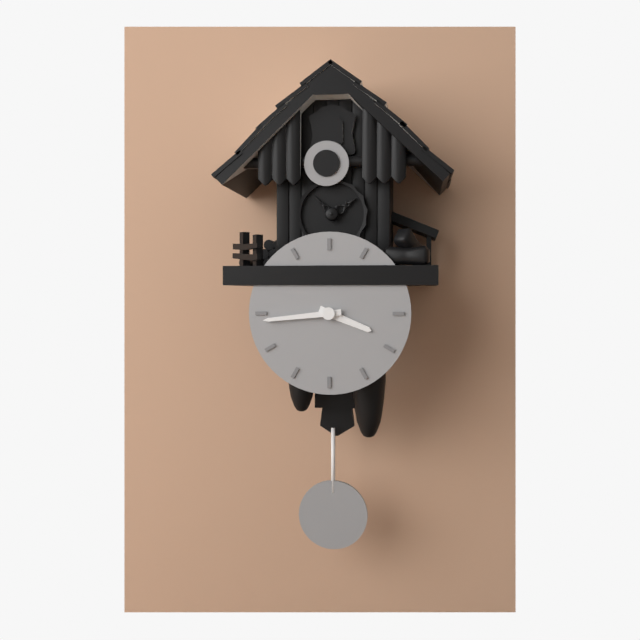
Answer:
{"hour": 3, "minute": 44}
